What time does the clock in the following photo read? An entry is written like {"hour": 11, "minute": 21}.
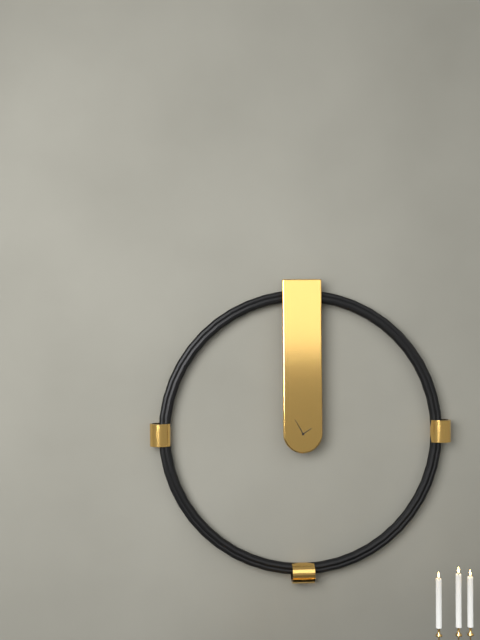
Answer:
{"hour": 1, "minute": 55}
